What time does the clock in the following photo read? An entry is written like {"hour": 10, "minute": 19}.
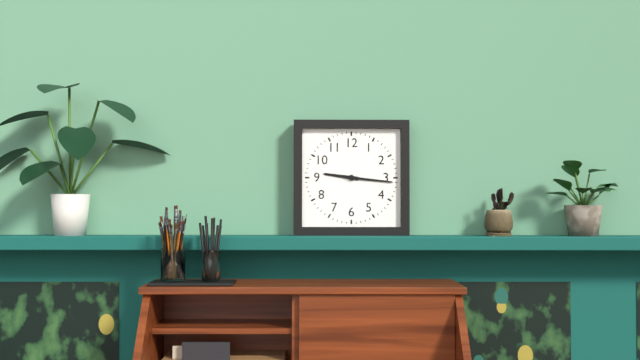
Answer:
{"hour": 9, "minute": 16}
